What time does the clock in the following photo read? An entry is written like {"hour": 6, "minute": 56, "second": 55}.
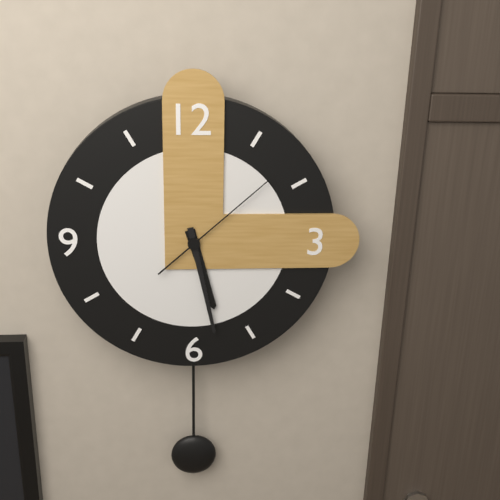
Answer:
{"hour": 5, "minute": 28, "second": 8}
